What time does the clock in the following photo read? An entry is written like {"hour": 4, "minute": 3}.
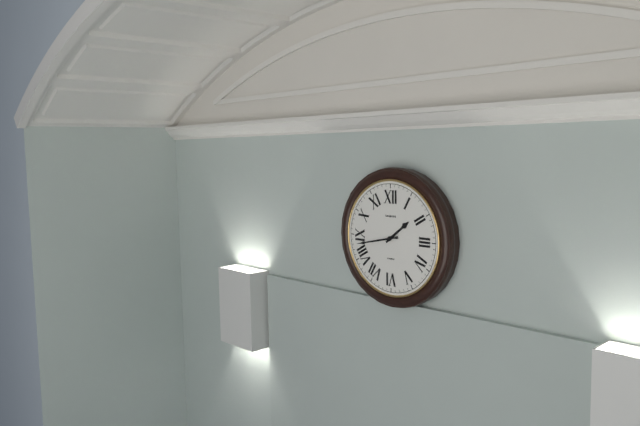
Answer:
{"hour": 1, "minute": 43}
